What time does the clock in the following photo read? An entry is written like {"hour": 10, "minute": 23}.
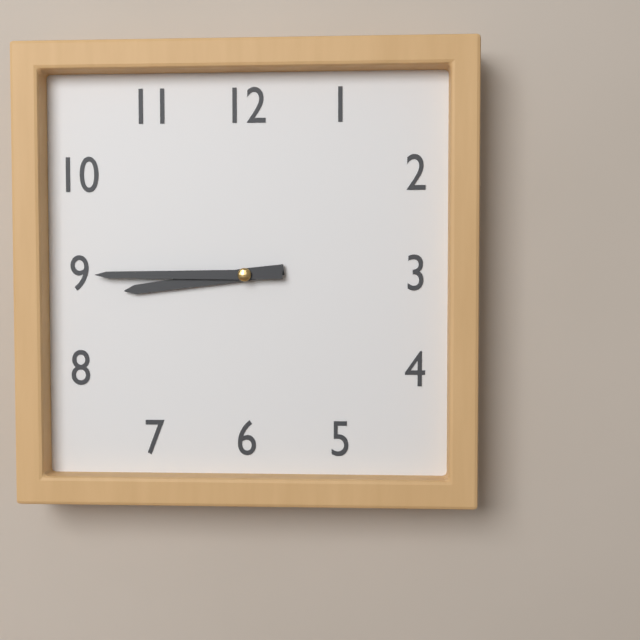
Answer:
{"hour": 8, "minute": 45}
